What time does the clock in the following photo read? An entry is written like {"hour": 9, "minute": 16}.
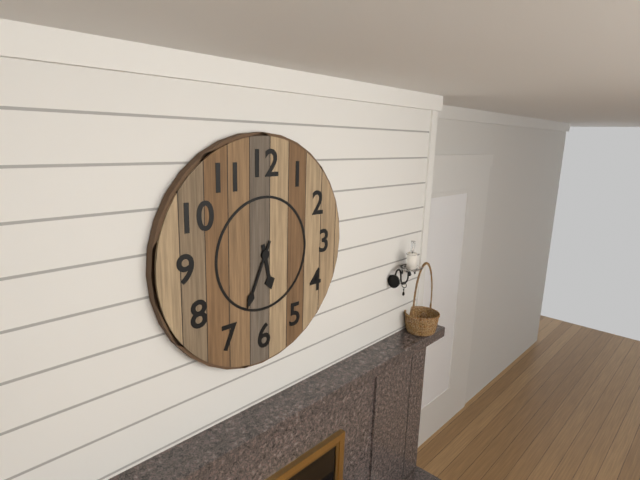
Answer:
{"hour": 5, "minute": 34}
